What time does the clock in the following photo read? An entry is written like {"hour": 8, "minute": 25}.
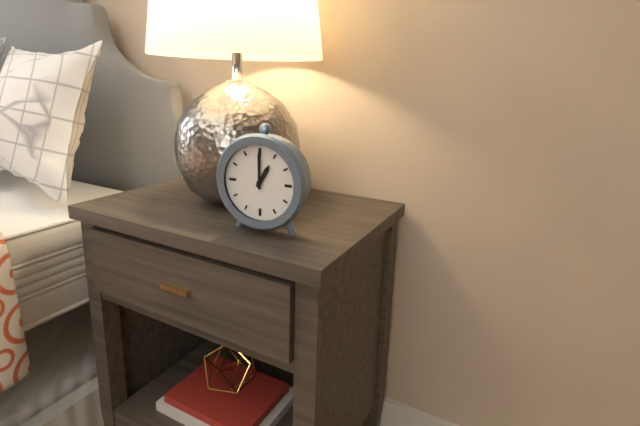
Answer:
{"hour": 1, "minute": 0}
